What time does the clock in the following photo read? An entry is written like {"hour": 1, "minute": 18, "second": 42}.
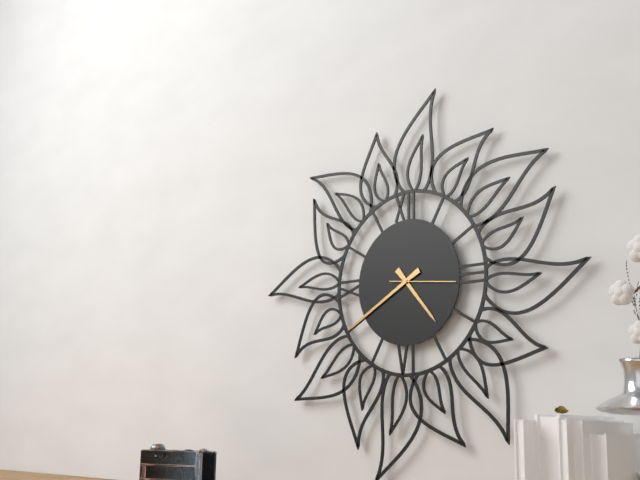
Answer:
{"hour": 4, "minute": 40, "second": 16}
